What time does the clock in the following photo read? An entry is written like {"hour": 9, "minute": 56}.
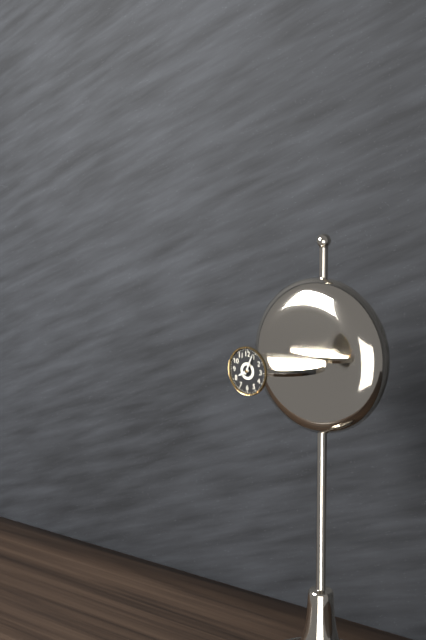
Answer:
{"hour": 8, "minute": 4}
